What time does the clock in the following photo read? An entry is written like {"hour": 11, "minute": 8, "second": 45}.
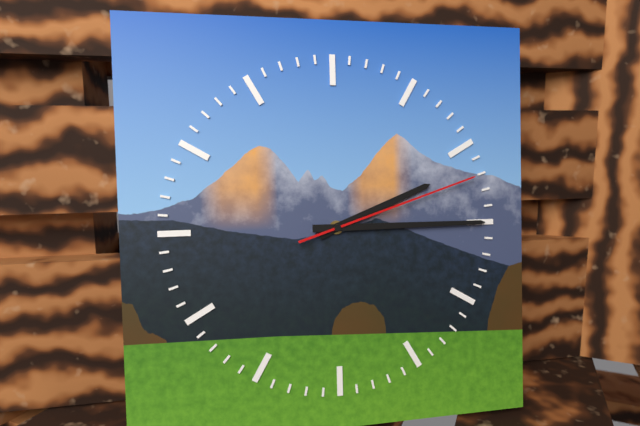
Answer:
{"hour": 2, "minute": 15, "second": 12}
